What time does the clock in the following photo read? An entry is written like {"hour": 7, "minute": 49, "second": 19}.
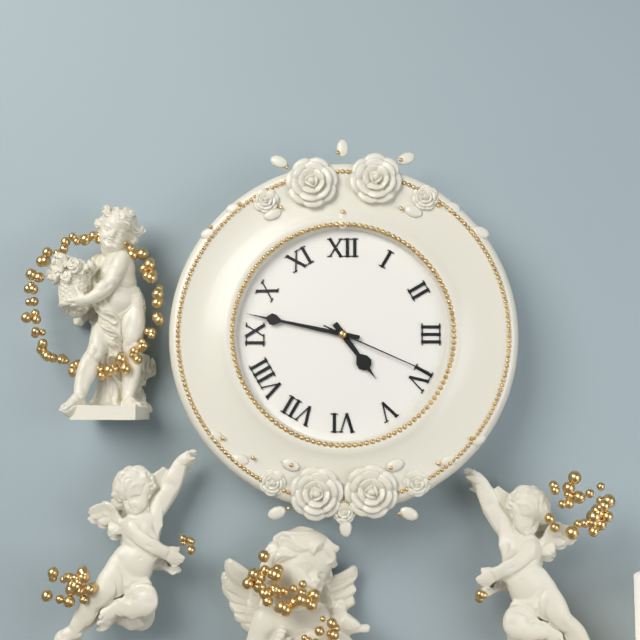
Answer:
{"hour": 4, "minute": 47, "second": 19}
